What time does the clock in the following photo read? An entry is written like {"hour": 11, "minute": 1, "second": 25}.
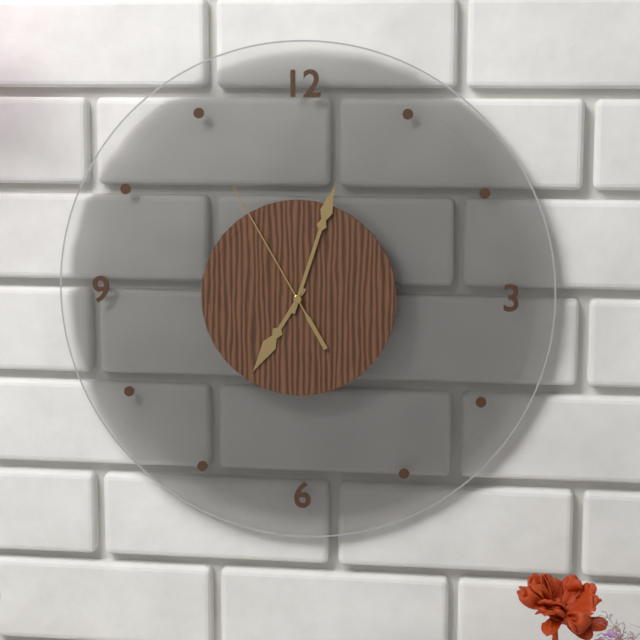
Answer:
{"hour": 7, "minute": 3, "second": 55}
